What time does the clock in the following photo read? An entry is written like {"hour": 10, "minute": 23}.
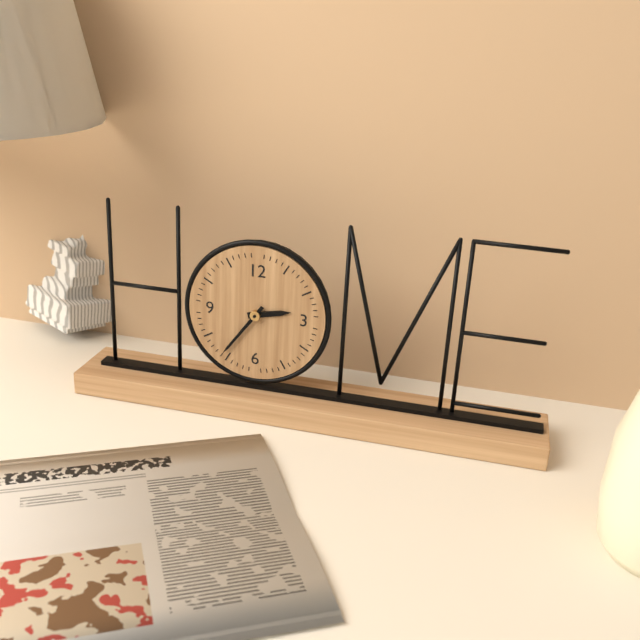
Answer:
{"hour": 2, "minute": 36}
